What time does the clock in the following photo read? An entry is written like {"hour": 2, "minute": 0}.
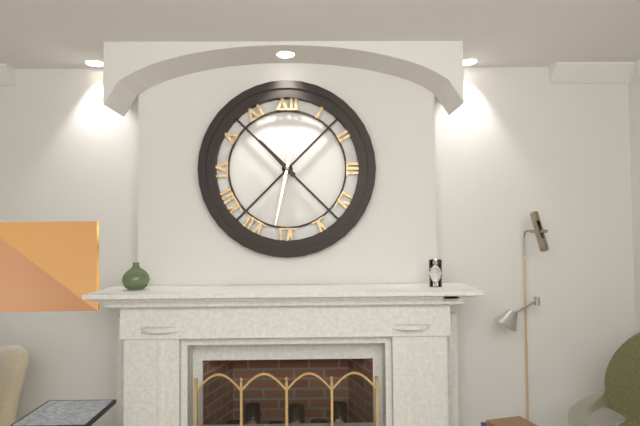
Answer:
{"hour": 10, "minute": 32}
